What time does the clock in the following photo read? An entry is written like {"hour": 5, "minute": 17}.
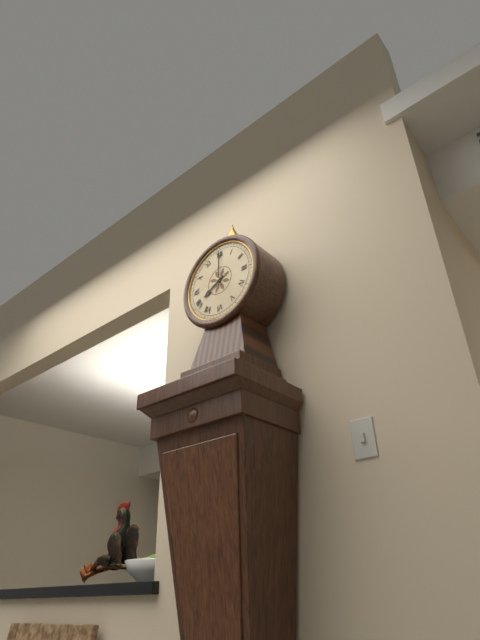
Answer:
{"hour": 8, "minute": 0}
